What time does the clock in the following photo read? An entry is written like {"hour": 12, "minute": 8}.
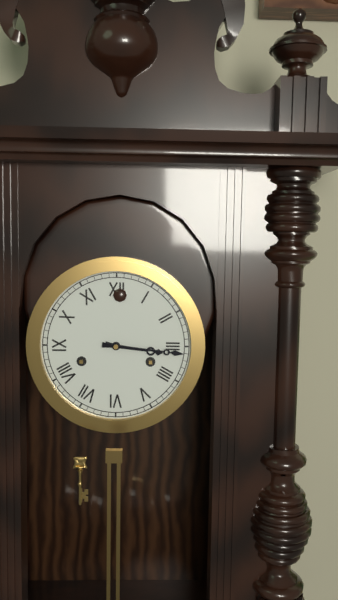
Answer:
{"hour": 3, "minute": 16}
